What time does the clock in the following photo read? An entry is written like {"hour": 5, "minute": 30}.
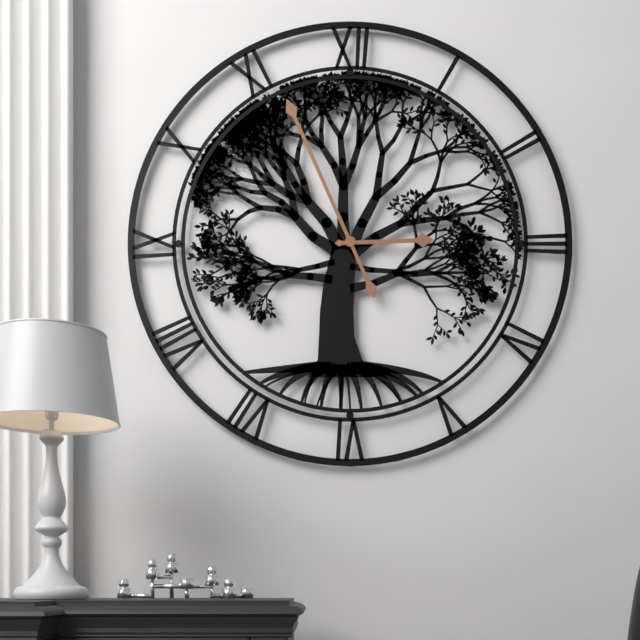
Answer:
{"hour": 2, "minute": 56}
